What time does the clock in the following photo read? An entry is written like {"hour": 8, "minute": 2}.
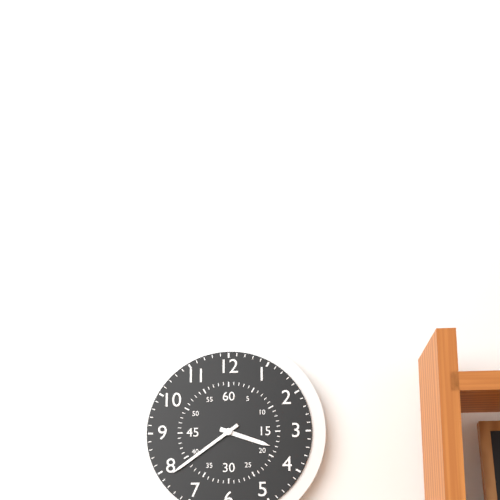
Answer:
{"hour": 3, "minute": 39}
